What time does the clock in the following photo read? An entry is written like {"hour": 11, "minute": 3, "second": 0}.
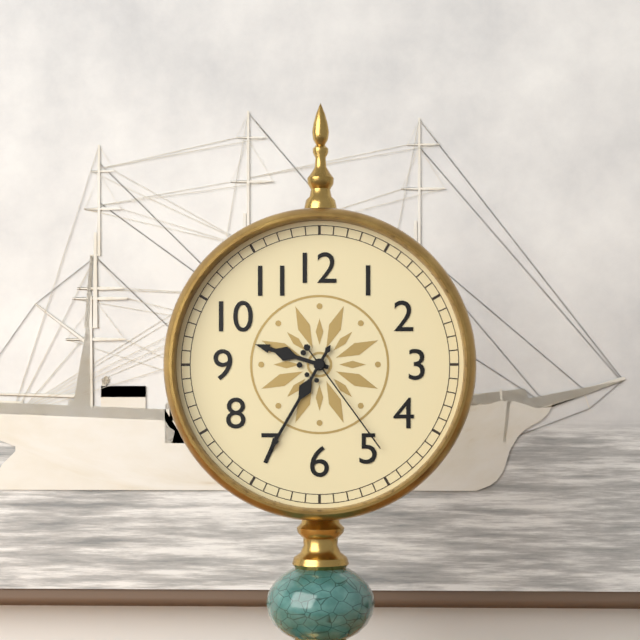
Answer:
{"hour": 9, "minute": 35, "second": 24}
